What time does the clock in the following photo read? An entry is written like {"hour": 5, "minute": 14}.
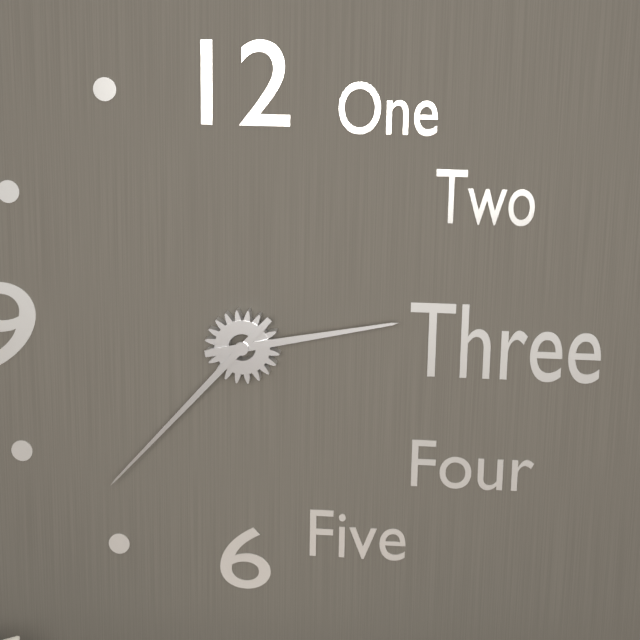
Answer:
{"hour": 2, "minute": 37}
